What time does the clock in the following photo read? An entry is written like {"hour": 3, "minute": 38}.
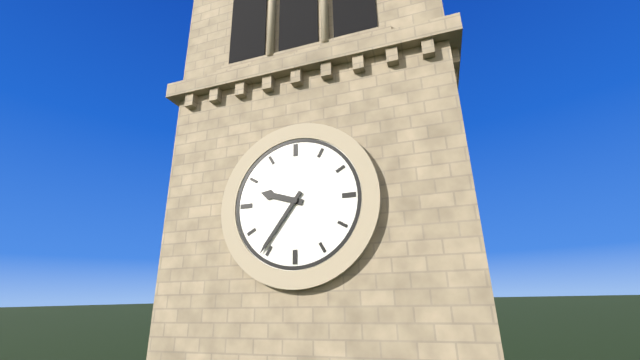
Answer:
{"hour": 9, "minute": 36}
